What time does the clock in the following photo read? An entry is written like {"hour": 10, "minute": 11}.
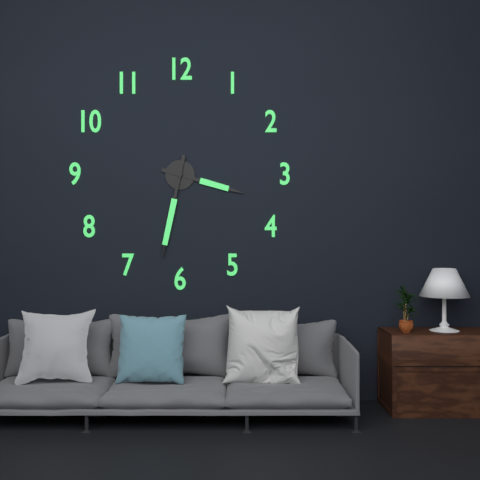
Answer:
{"hour": 3, "minute": 32}
